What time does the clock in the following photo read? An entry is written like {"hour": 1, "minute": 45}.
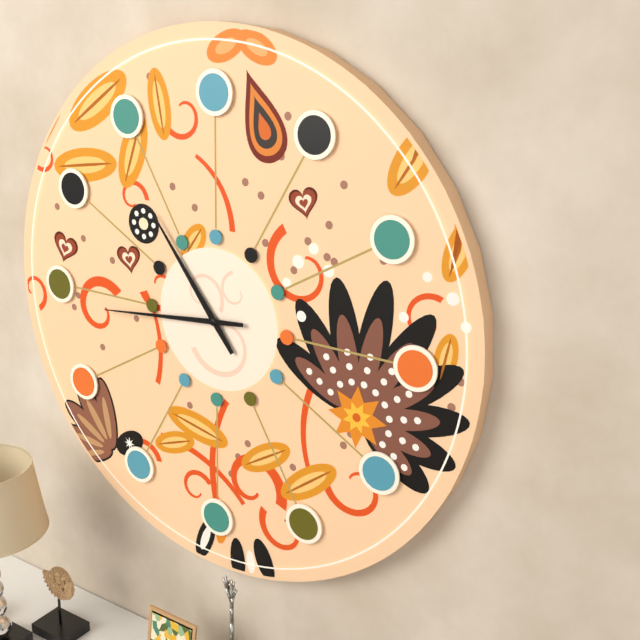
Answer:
{"hour": 10, "minute": 44}
